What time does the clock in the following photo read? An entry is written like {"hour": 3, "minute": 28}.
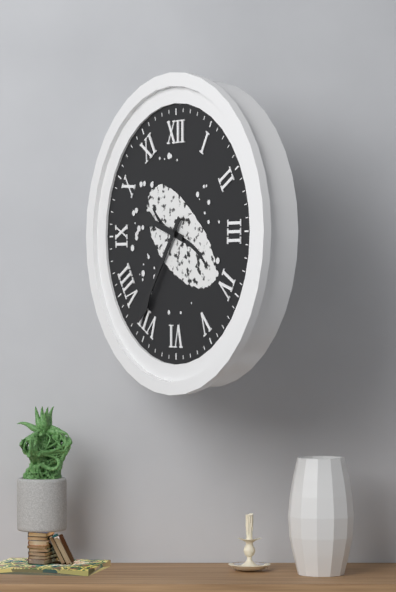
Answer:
{"hour": 9, "minute": 36}
